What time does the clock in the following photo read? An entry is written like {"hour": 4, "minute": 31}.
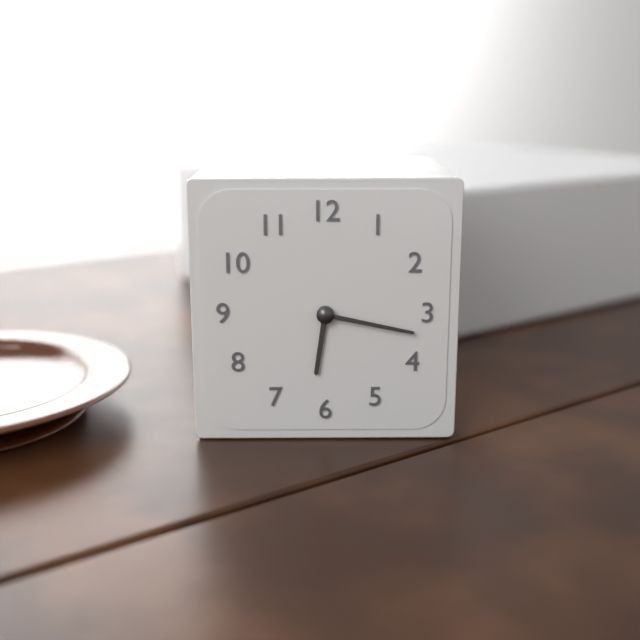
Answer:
{"hour": 6, "minute": 17}
